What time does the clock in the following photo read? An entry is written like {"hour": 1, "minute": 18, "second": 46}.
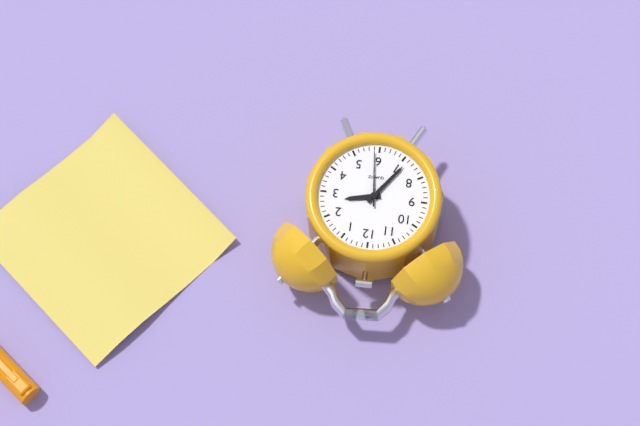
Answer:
{"hour": 2, "minute": 36, "second": 29}
